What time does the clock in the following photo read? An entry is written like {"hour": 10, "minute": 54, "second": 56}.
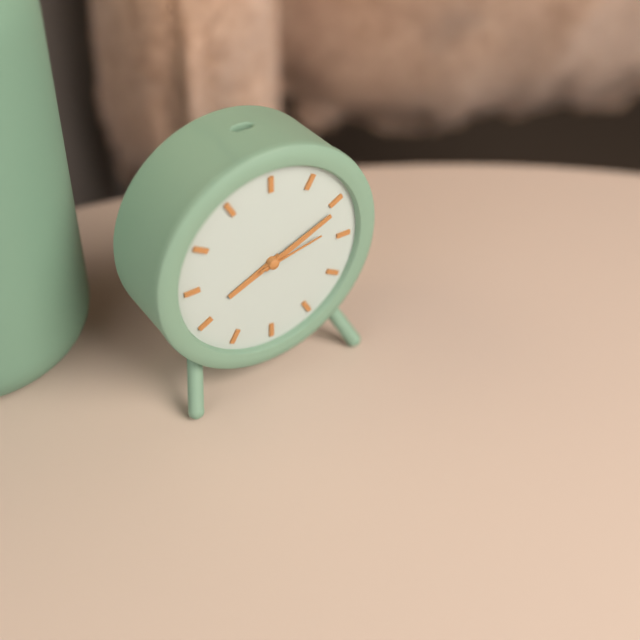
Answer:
{"hour": 8, "minute": 11, "second": 13}
